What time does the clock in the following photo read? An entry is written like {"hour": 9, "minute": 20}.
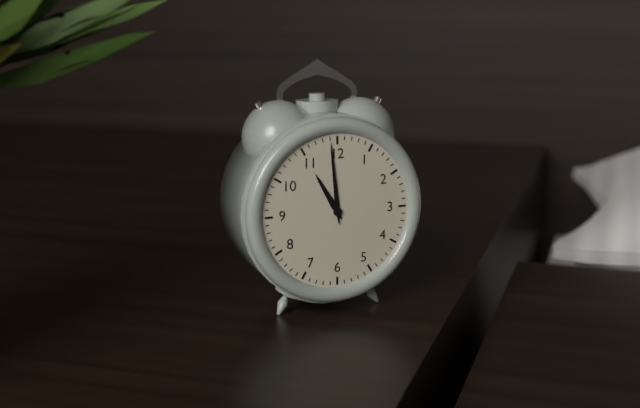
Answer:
{"hour": 10, "minute": 59}
